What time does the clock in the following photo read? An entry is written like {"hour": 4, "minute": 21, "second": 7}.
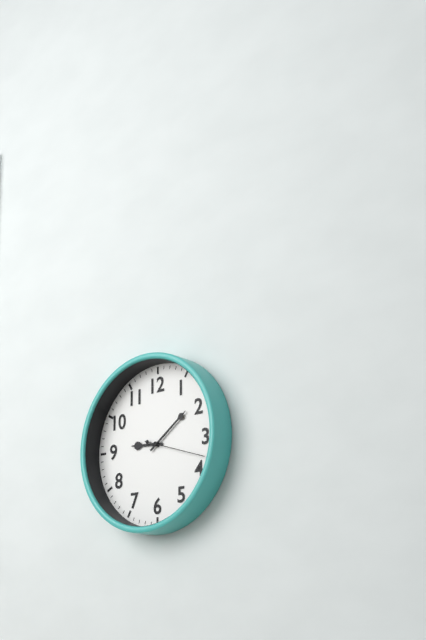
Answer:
{"hour": 9, "minute": 9, "second": 18}
